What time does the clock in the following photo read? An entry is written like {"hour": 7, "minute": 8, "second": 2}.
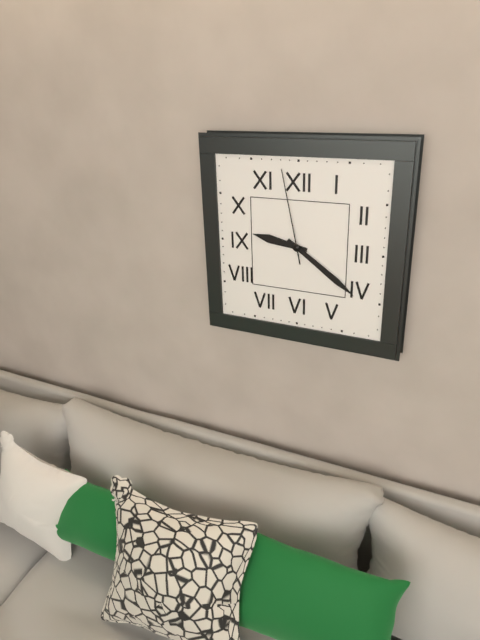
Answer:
{"hour": 9, "minute": 21, "second": 58}
